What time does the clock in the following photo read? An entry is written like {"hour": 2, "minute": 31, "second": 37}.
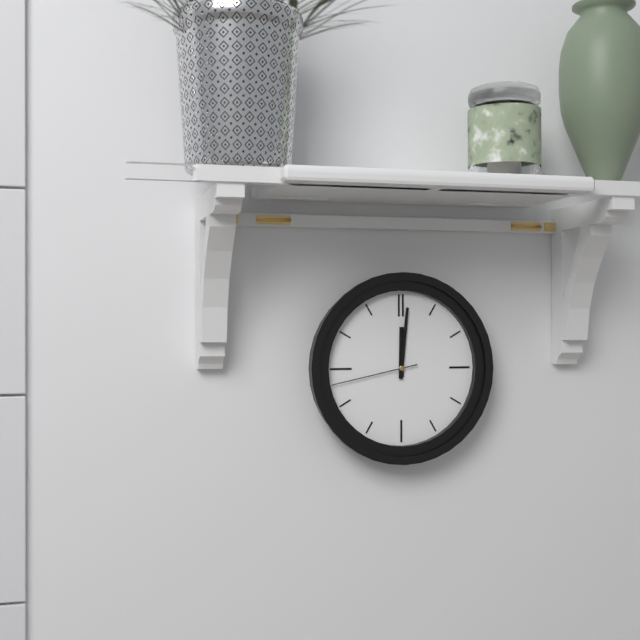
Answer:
{"hour": 12, "minute": 1, "second": 43}
